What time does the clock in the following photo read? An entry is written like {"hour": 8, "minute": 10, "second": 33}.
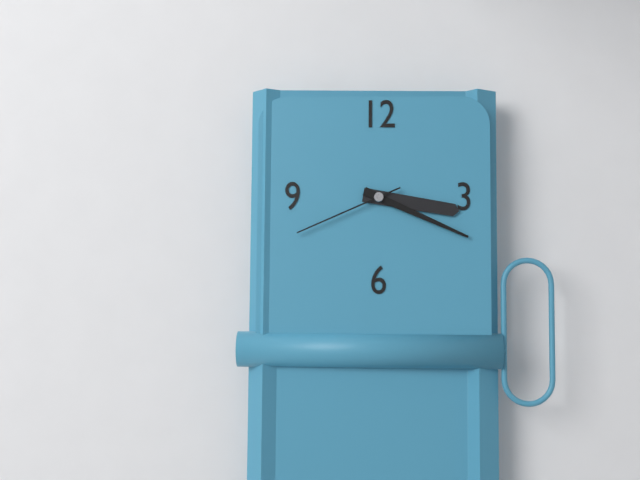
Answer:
{"hour": 3, "minute": 19, "second": 41}
